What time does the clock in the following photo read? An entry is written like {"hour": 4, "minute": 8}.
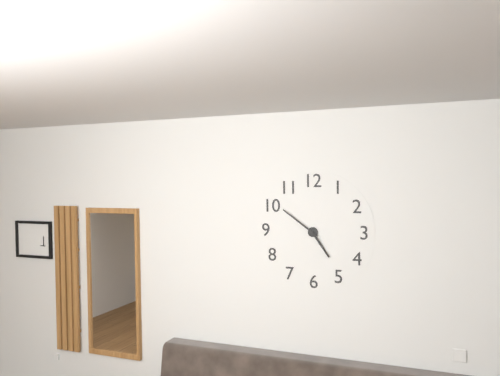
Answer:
{"hour": 4, "minute": 51}
